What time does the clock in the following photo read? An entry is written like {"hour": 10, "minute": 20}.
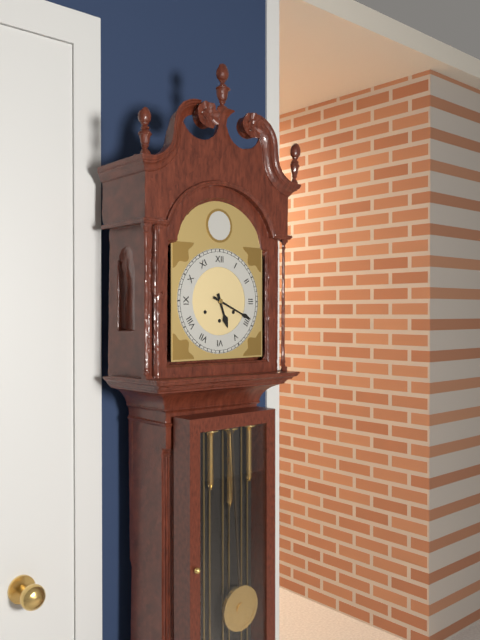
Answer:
{"hour": 5, "minute": 19}
